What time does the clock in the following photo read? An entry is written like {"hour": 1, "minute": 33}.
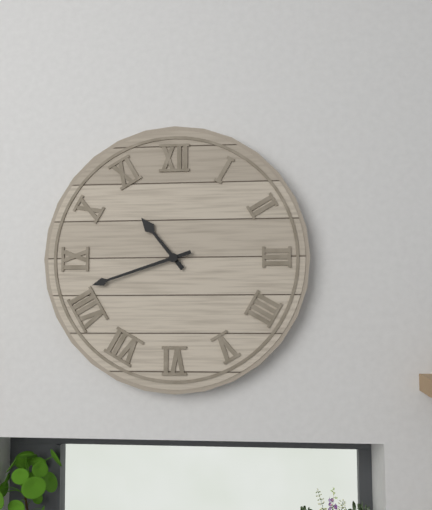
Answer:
{"hour": 10, "minute": 42}
